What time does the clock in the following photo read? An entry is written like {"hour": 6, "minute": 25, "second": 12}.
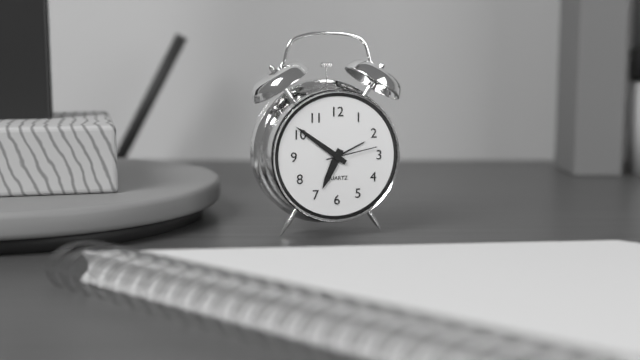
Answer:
{"hour": 6, "minute": 51, "second": 13}
